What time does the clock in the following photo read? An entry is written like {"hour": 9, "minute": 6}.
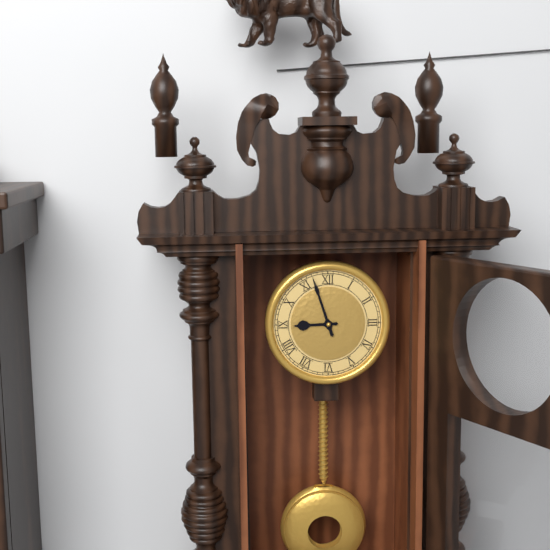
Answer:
{"hour": 8, "minute": 57}
